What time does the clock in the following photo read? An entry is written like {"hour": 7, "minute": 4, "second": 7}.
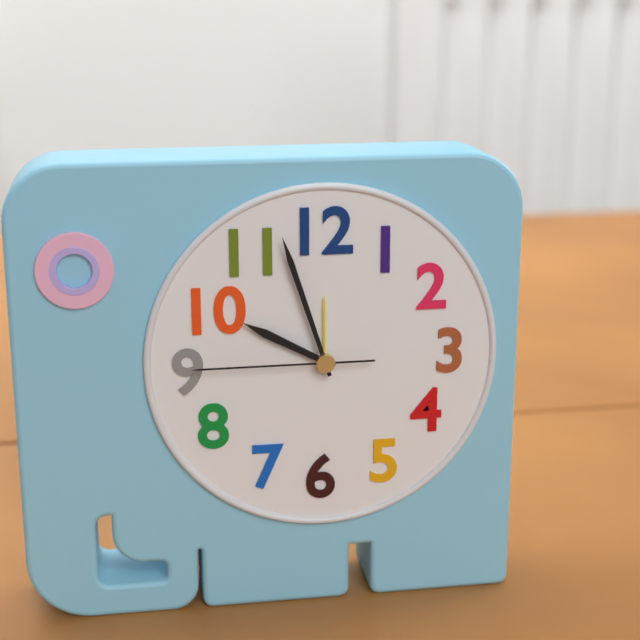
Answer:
{"hour": 9, "minute": 57, "second": 45}
